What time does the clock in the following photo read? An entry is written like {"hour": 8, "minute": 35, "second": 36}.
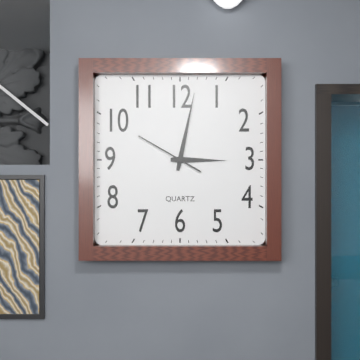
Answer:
{"hour": 3, "minute": 2, "second": 50}
